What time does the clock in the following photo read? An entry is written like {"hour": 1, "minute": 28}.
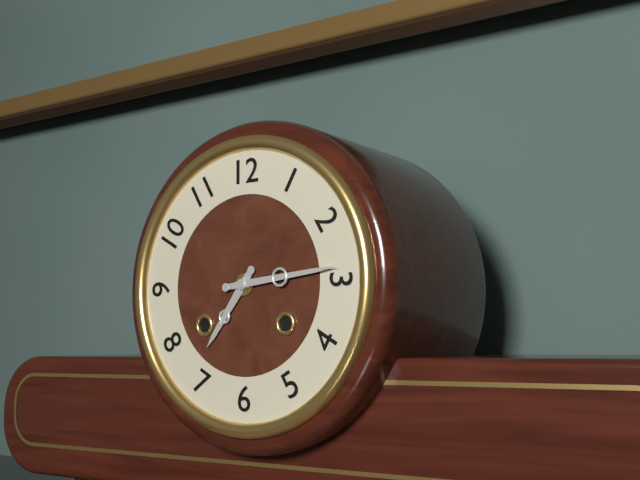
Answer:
{"hour": 7, "minute": 14}
